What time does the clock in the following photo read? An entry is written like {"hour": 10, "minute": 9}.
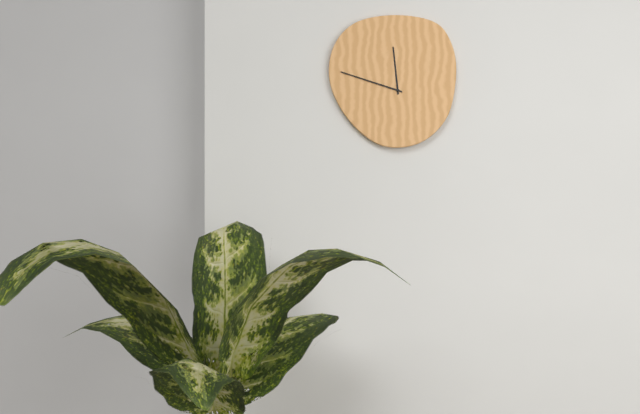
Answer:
{"hour": 11, "minute": 48}
